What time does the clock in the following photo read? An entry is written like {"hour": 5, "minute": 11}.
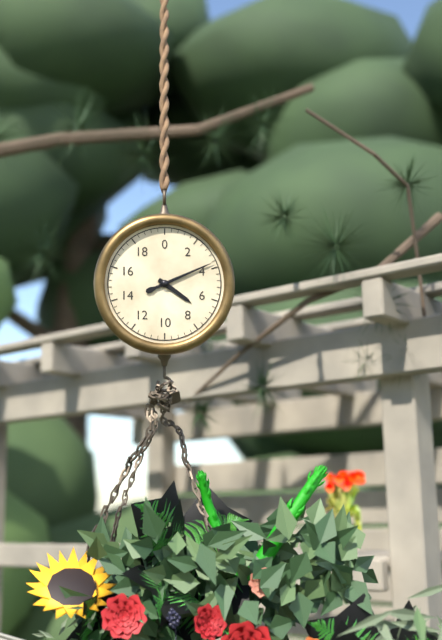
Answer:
{"hour": 4, "minute": 11}
